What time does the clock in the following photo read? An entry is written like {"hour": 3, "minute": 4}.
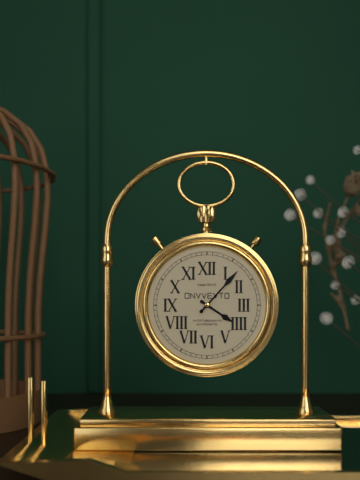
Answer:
{"hour": 4, "minute": 7}
